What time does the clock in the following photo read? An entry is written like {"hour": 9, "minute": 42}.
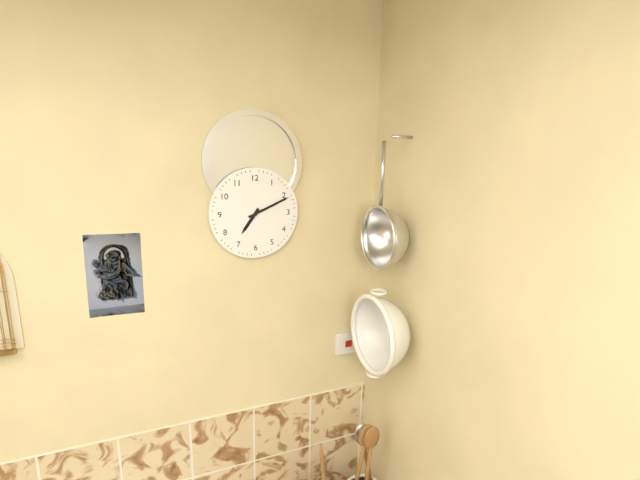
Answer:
{"hour": 7, "minute": 11}
